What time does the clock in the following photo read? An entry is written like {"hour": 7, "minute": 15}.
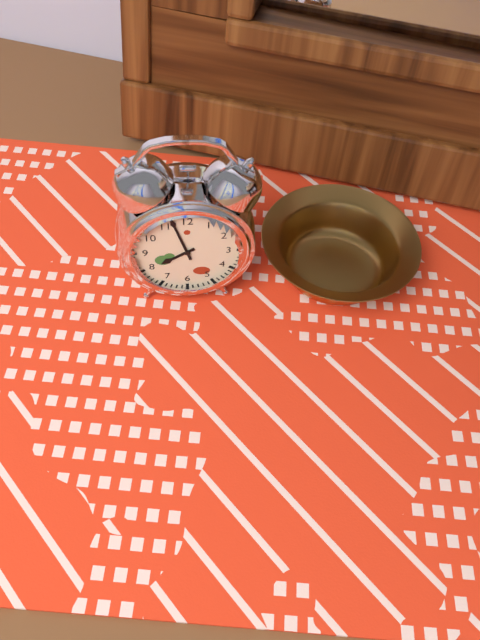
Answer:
{"hour": 7, "minute": 57}
